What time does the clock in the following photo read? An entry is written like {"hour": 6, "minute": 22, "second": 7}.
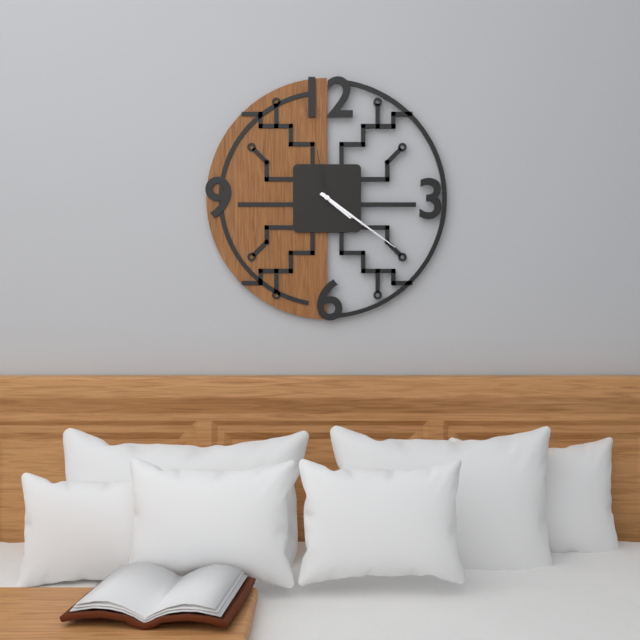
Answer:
{"hour": 4, "minute": 21, "second": 58}
